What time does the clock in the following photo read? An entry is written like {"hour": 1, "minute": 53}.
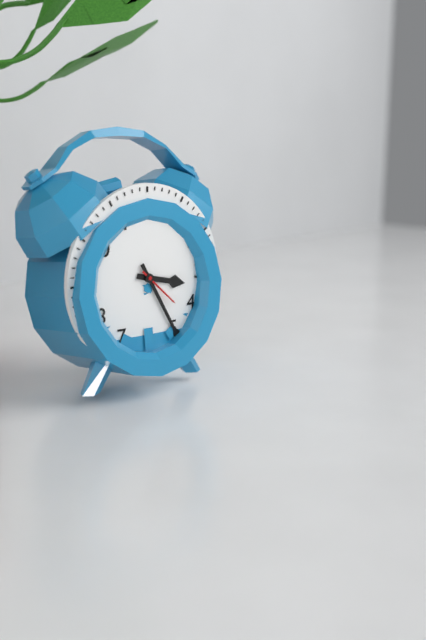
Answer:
{"hour": 3, "minute": 25}
